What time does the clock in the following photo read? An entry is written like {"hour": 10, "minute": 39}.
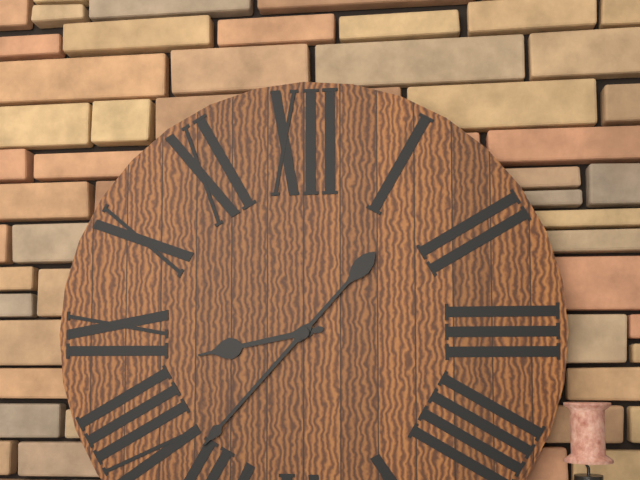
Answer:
{"hour": 8, "minute": 37}
